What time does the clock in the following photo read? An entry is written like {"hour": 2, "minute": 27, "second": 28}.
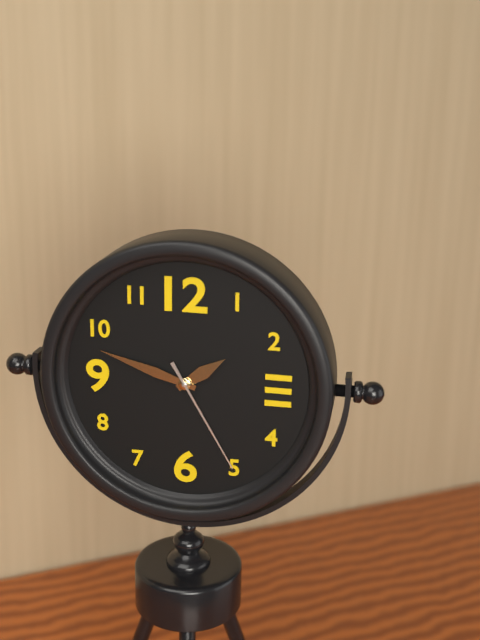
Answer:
{"hour": 1, "minute": 48, "second": 25}
